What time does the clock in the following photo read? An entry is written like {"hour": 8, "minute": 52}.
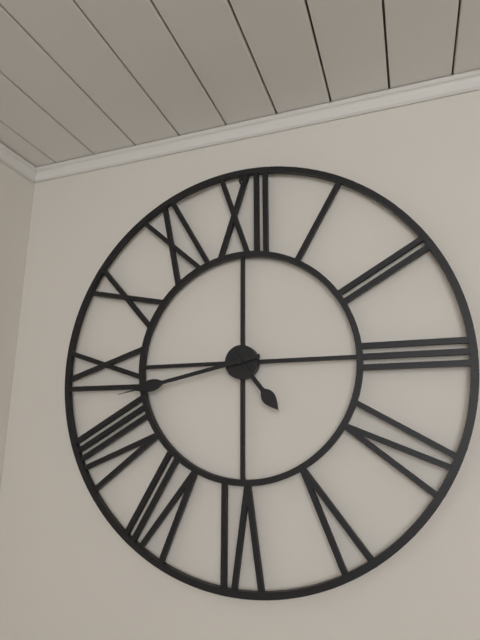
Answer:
{"hour": 4, "minute": 43}
